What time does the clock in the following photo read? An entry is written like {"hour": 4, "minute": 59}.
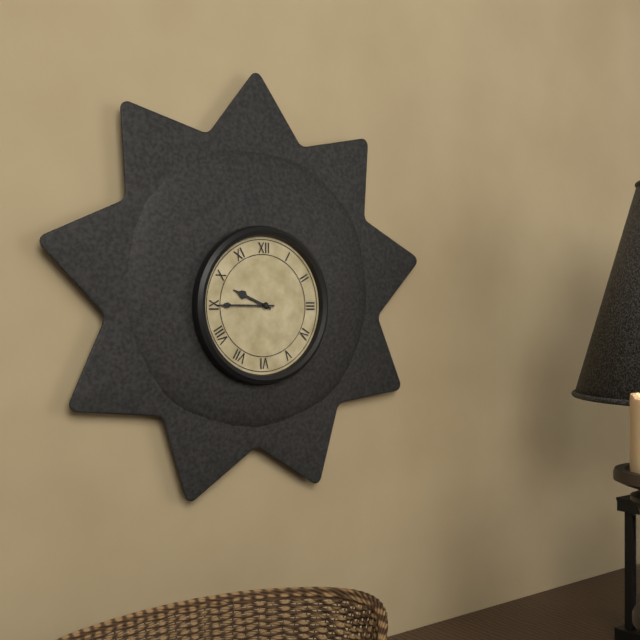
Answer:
{"hour": 9, "minute": 45}
